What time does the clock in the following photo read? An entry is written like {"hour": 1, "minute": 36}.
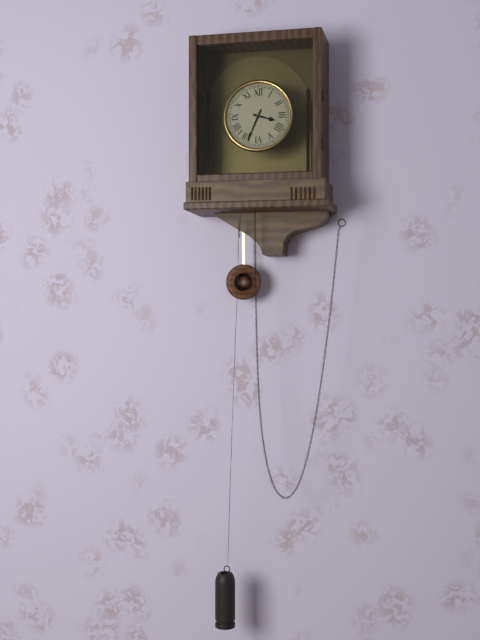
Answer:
{"hour": 3, "minute": 34}
